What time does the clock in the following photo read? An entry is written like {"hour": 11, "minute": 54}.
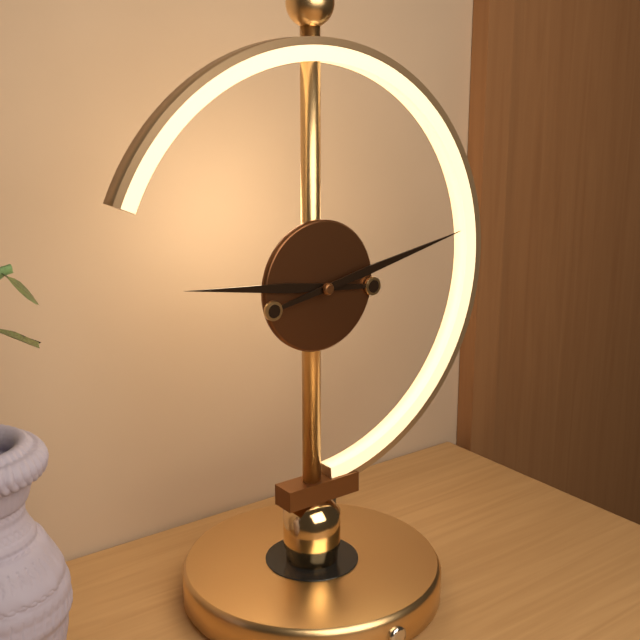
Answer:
{"hour": 9, "minute": 13}
